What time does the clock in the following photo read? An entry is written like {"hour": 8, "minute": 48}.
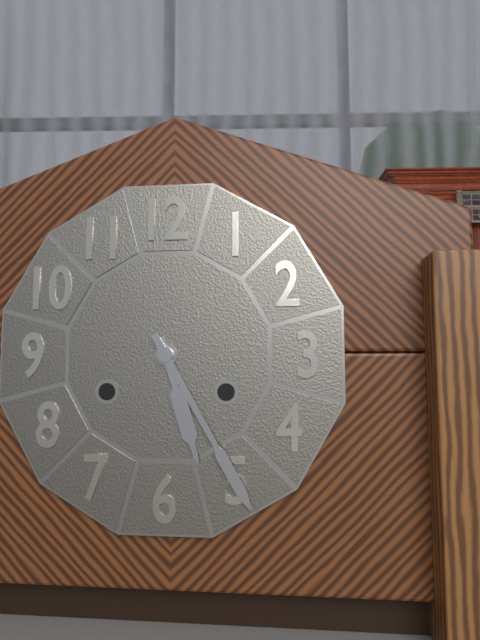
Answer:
{"hour": 5, "minute": 25}
